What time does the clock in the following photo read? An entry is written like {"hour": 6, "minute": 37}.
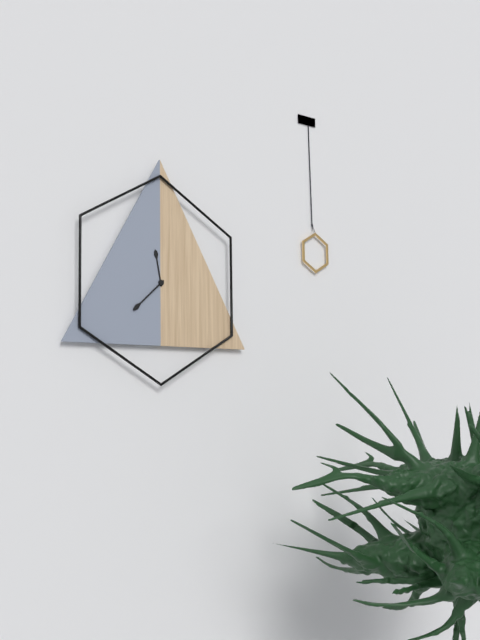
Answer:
{"hour": 11, "minute": 38}
